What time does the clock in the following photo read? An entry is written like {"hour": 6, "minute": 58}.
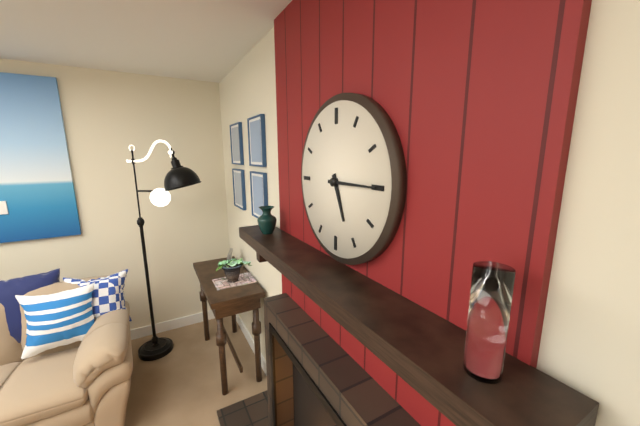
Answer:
{"hour": 5, "minute": 15}
